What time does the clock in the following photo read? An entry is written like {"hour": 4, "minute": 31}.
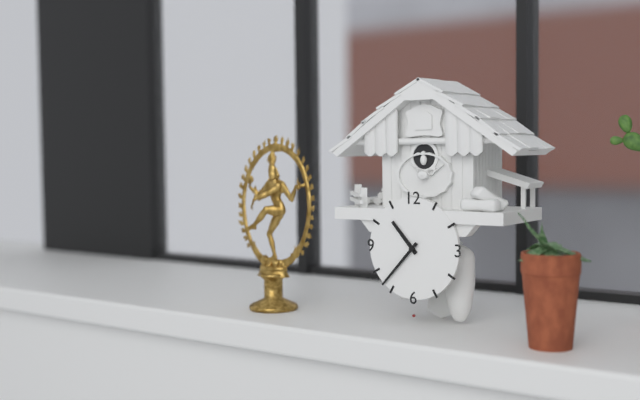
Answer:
{"hour": 10, "minute": 37}
